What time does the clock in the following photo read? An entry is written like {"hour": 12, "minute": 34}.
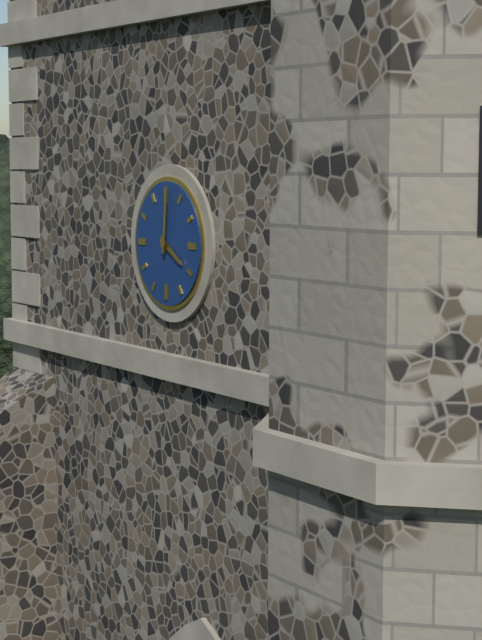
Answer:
{"hour": 4, "minute": 1}
